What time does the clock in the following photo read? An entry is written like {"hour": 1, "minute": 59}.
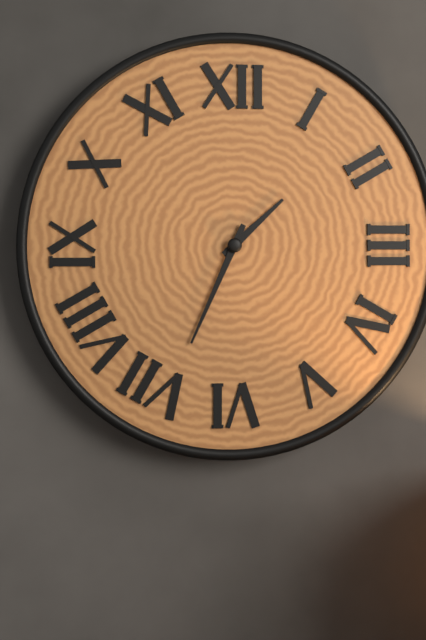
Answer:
{"hour": 1, "minute": 34}
